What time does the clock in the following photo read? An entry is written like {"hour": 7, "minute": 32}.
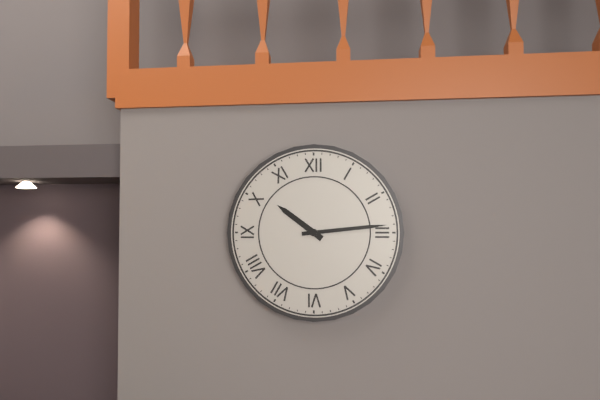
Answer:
{"hour": 10, "minute": 14}
